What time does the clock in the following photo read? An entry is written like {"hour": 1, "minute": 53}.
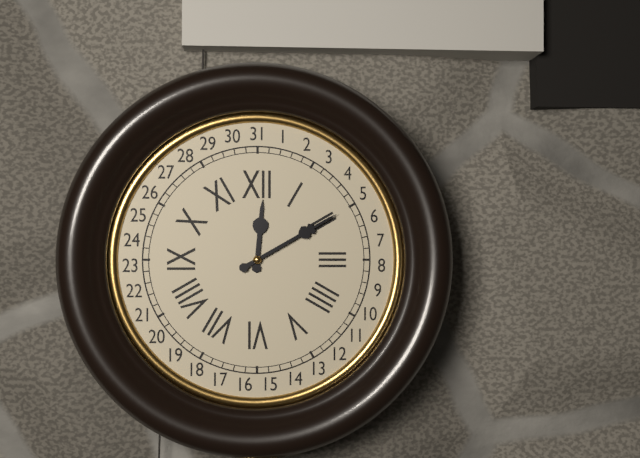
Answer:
{"hour": 12, "minute": 10}
